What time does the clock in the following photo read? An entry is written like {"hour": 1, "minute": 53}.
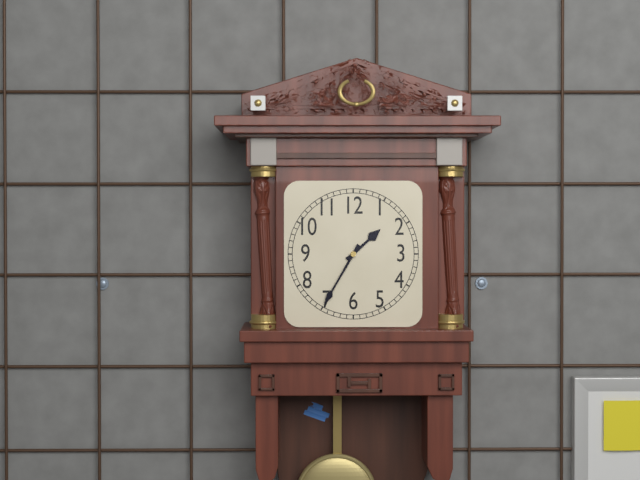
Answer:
{"hour": 1, "minute": 35}
